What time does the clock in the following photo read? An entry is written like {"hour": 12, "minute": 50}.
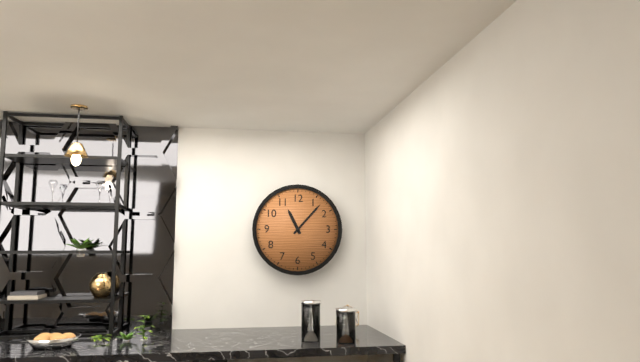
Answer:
{"hour": 11, "minute": 7}
